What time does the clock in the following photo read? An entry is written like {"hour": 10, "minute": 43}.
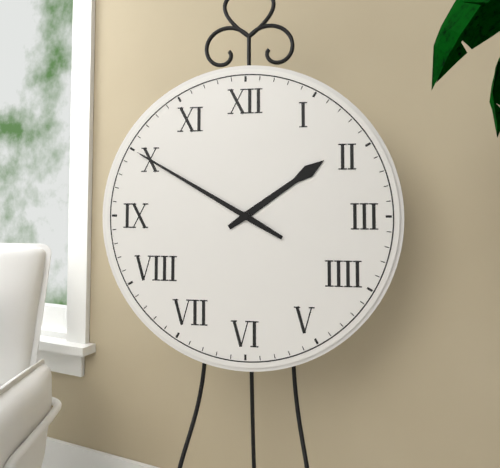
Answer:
{"hour": 1, "minute": 50}
